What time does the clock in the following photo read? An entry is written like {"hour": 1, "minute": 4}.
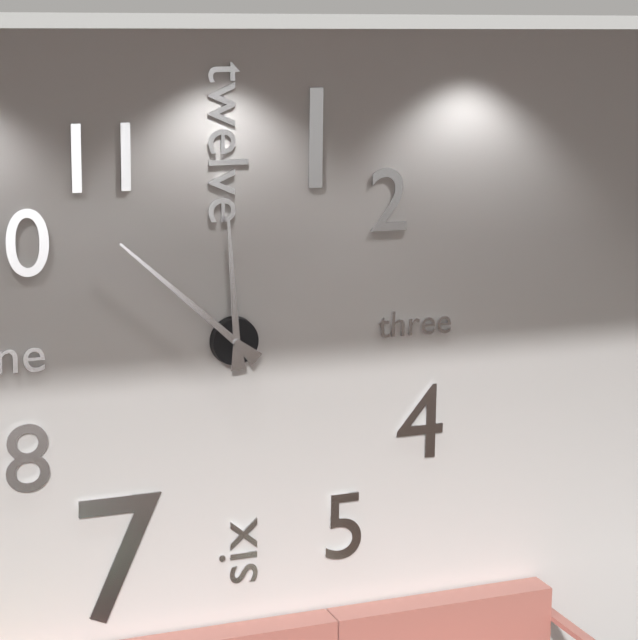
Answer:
{"hour": 11, "minute": 52}
